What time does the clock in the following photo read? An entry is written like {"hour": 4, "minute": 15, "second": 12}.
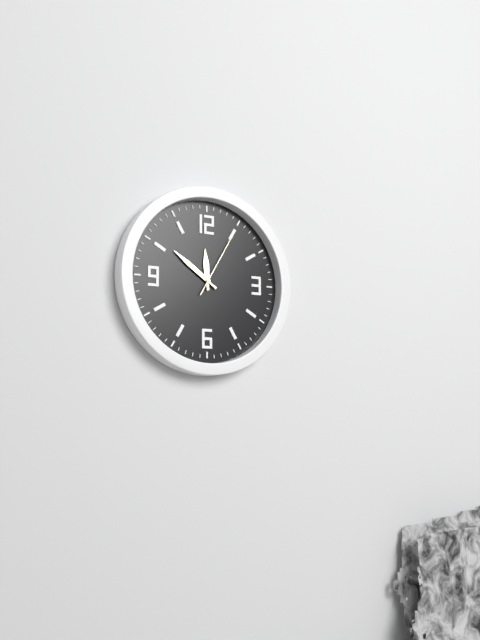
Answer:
{"hour": 11, "minute": 51, "second": 5}
